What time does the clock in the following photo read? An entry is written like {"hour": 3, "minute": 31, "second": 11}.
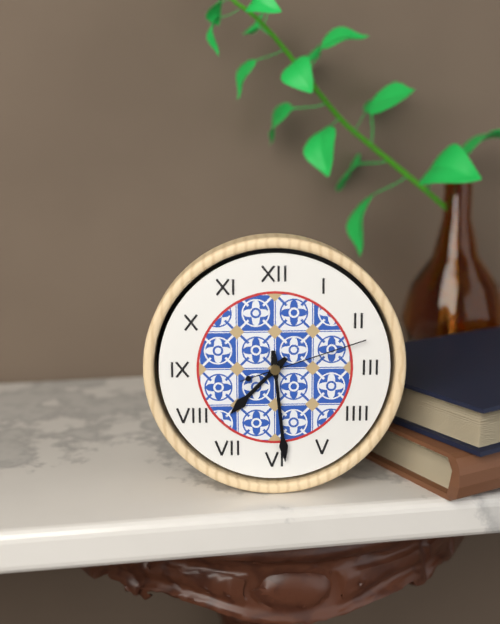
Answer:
{"hour": 7, "minute": 29, "second": 12}
